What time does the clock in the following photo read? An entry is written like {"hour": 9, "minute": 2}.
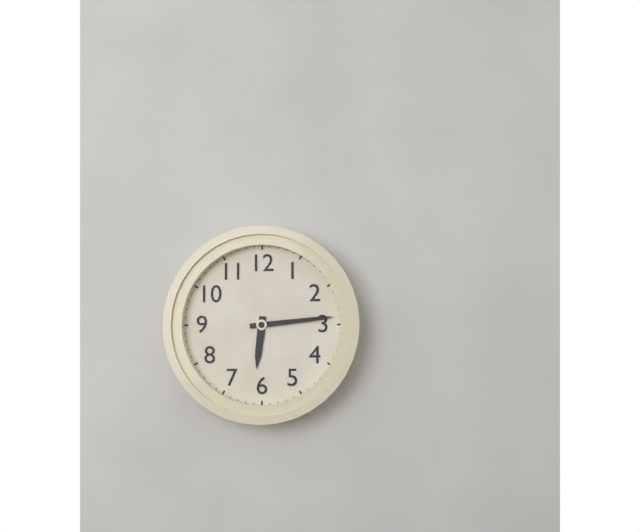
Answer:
{"hour": 6, "minute": 14}
